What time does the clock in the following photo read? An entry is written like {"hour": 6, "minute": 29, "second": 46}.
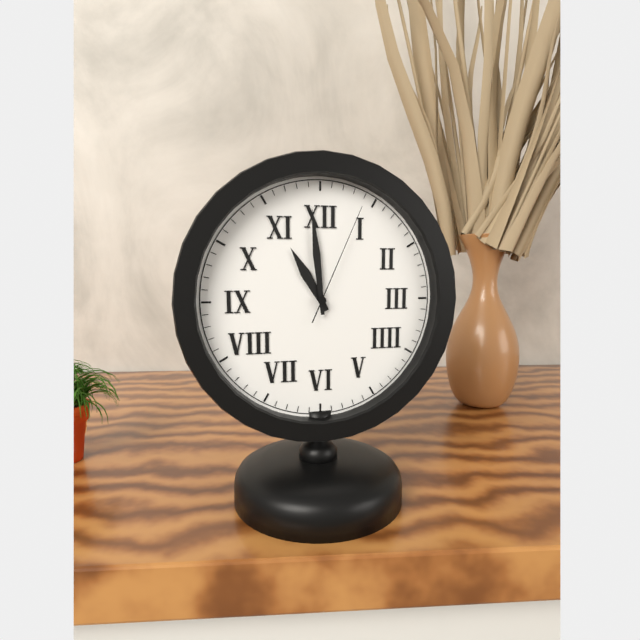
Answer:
{"hour": 10, "minute": 59, "second": 4}
